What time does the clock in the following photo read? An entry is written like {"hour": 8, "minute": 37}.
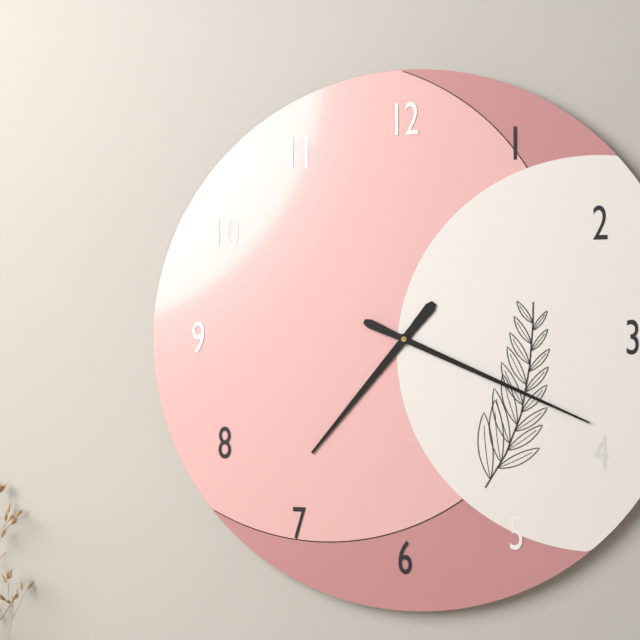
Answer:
{"hour": 7, "minute": 19}
